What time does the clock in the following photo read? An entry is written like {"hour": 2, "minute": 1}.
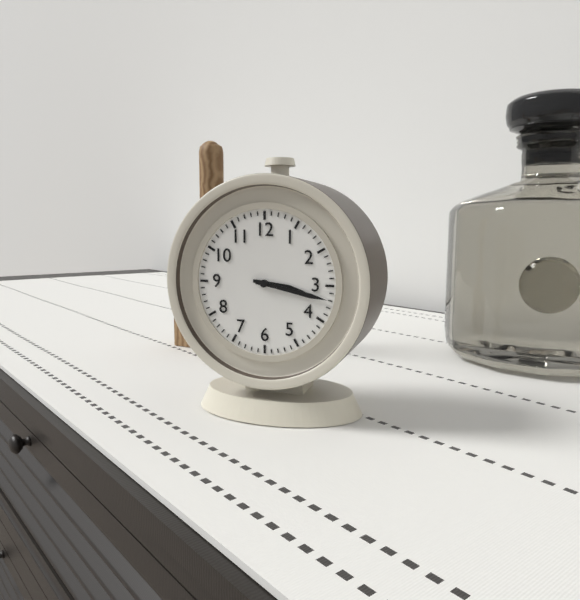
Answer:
{"hour": 3, "minute": 17}
